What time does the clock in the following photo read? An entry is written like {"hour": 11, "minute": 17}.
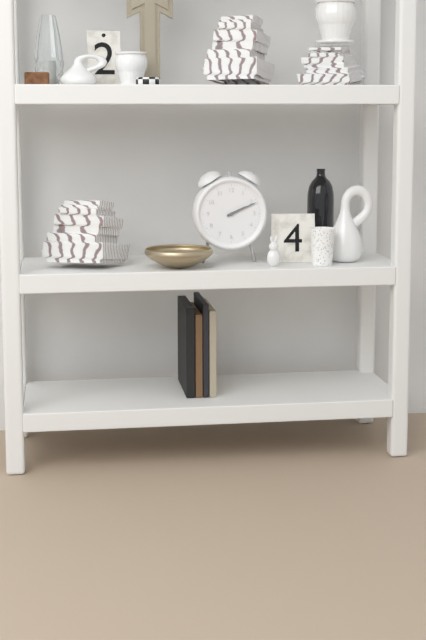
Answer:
{"hour": 2, "minute": 11}
